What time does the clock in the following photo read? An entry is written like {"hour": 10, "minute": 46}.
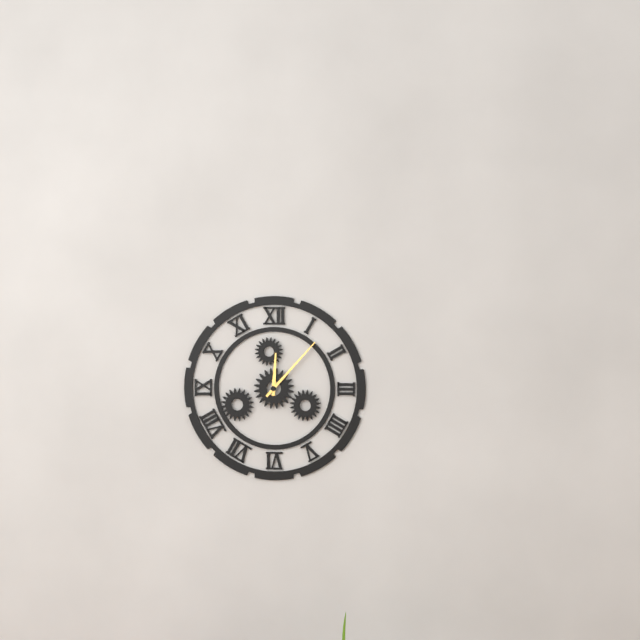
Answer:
{"hour": 12, "minute": 7}
